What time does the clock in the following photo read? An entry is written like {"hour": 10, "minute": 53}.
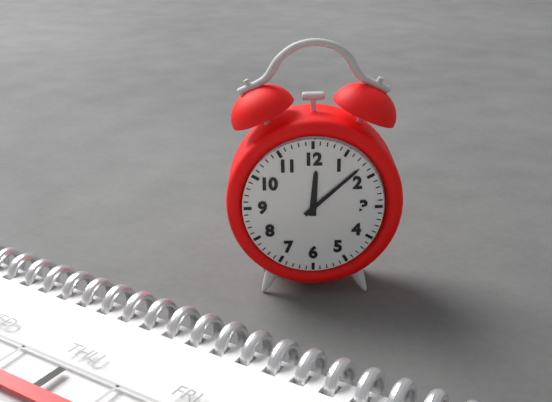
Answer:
{"hour": 12, "minute": 8}
